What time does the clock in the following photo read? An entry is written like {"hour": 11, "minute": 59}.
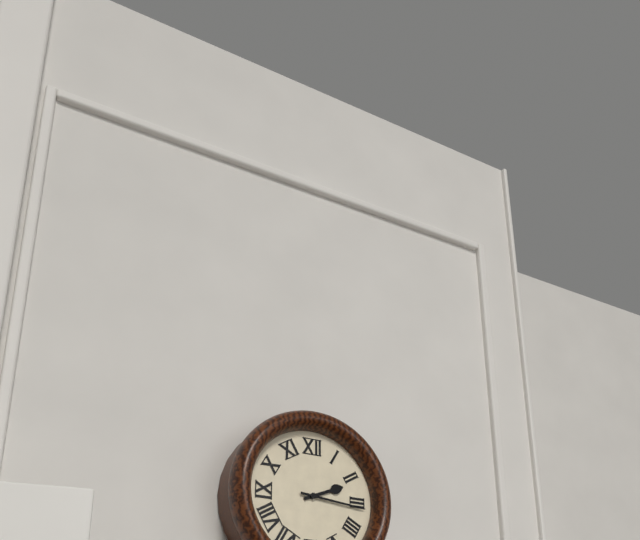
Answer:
{"hour": 2, "minute": 16}
